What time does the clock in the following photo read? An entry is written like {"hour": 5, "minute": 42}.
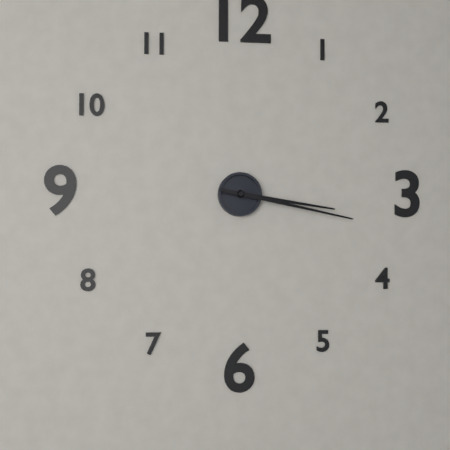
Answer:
{"hour": 3, "minute": 17}
